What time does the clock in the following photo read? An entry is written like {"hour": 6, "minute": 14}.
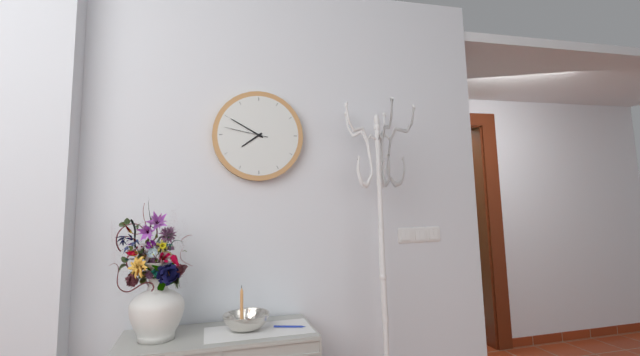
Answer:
{"hour": 7, "minute": 50}
